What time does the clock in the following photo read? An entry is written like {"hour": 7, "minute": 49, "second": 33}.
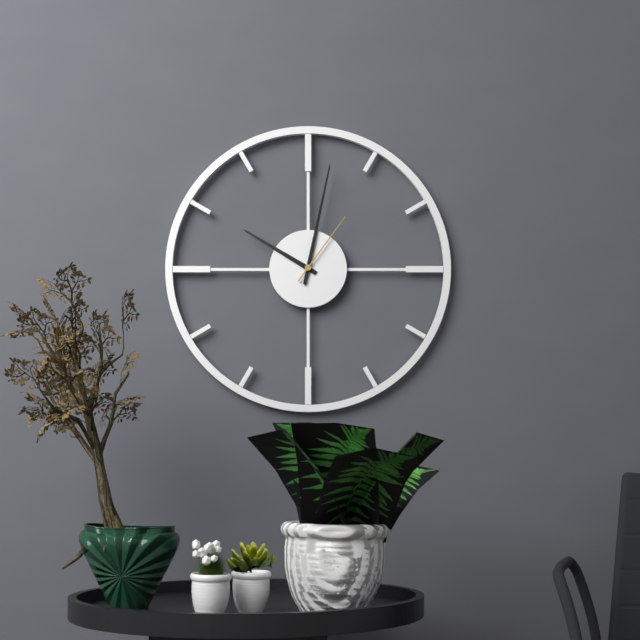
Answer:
{"hour": 10, "minute": 2, "second": 6}
